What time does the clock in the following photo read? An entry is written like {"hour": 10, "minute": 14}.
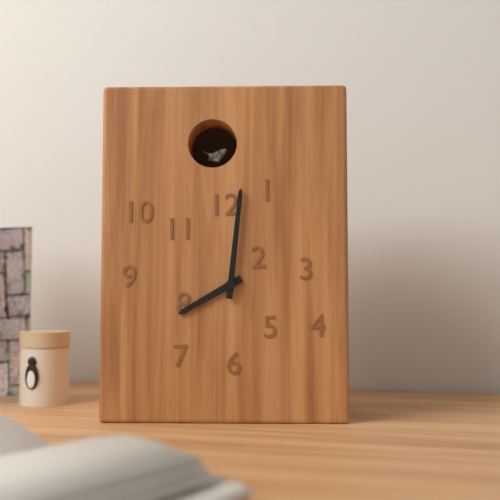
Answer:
{"hour": 8, "minute": 1}
